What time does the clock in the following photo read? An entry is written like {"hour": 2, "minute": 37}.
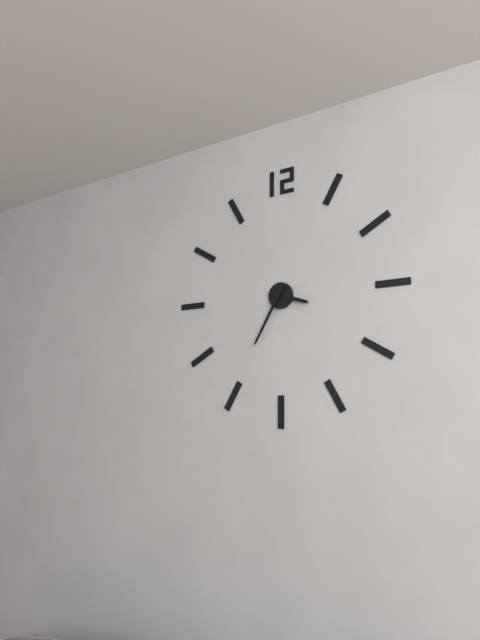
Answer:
{"hour": 3, "minute": 35}
